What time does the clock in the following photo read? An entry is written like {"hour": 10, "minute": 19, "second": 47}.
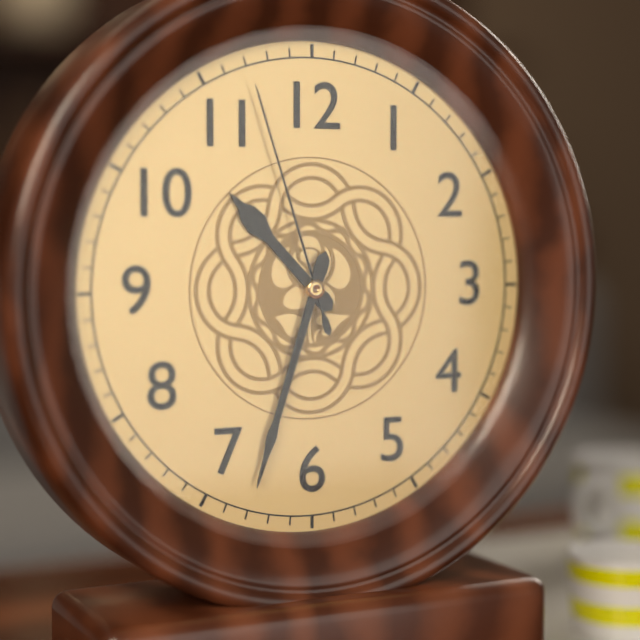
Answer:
{"hour": 10, "minute": 33, "second": 57}
